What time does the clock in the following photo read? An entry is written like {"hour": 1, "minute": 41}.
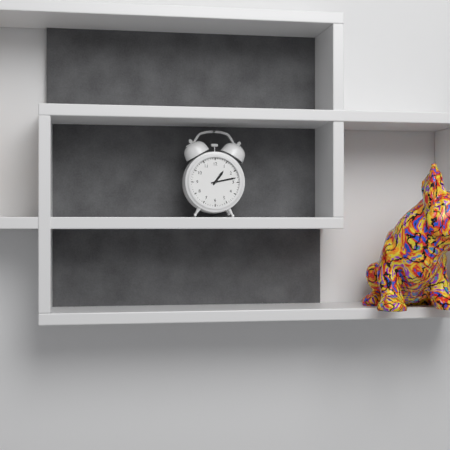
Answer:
{"hour": 1, "minute": 13}
